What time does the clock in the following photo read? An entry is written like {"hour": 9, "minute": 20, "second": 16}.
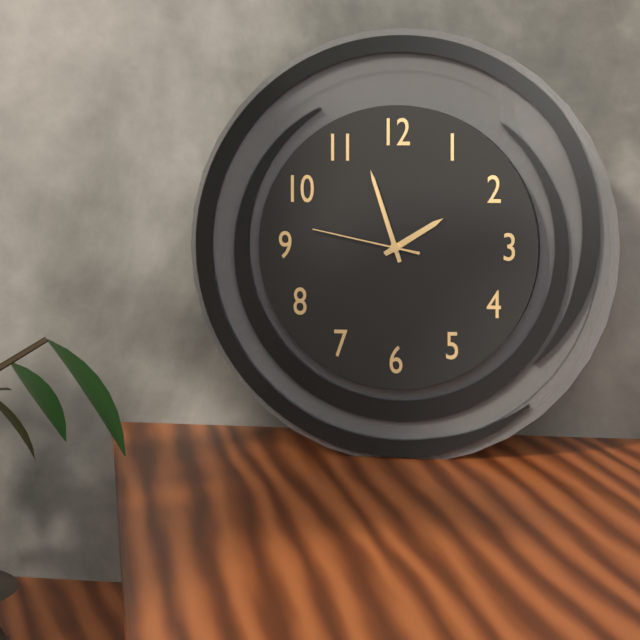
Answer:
{"hour": 1, "minute": 57, "second": 47}
